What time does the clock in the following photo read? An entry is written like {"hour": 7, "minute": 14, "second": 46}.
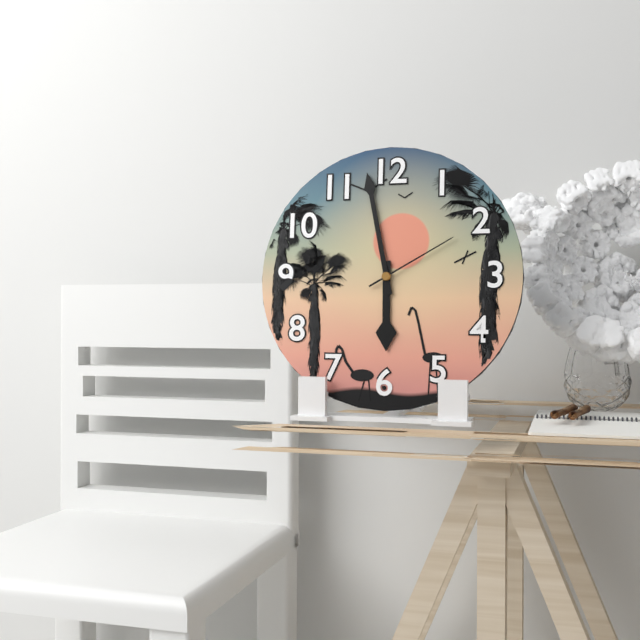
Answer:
{"hour": 5, "minute": 58, "second": 10}
